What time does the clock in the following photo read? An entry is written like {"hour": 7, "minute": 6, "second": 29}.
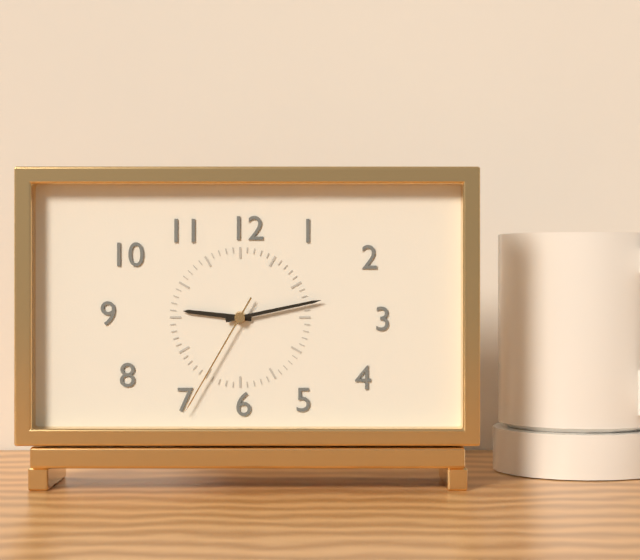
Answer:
{"hour": 9, "minute": 13, "second": 35}
